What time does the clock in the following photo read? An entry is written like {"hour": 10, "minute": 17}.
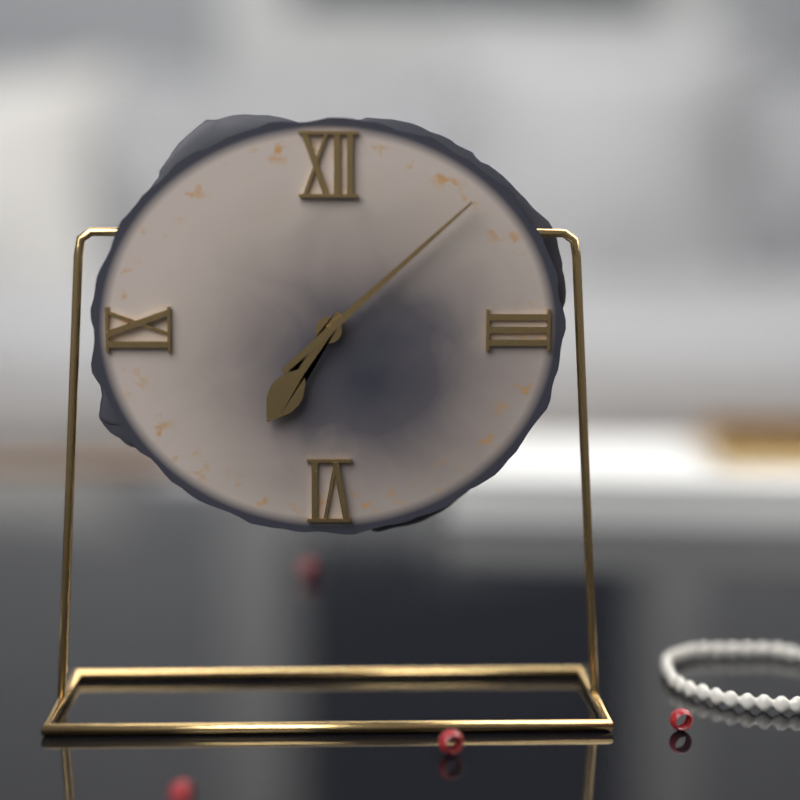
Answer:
{"hour": 7, "minute": 8}
